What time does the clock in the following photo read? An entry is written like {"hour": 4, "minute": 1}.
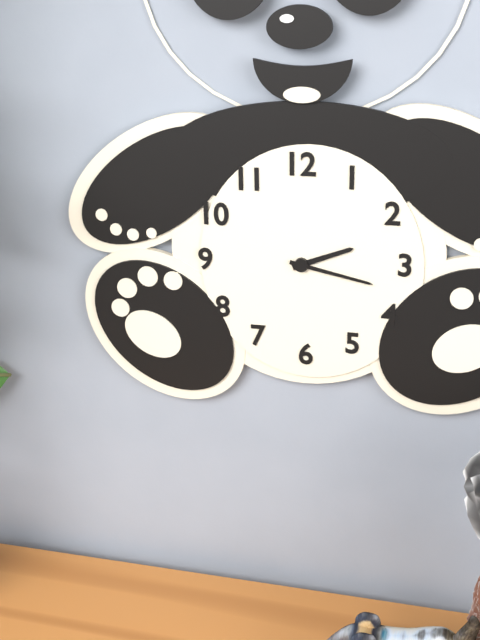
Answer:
{"hour": 2, "minute": 17}
